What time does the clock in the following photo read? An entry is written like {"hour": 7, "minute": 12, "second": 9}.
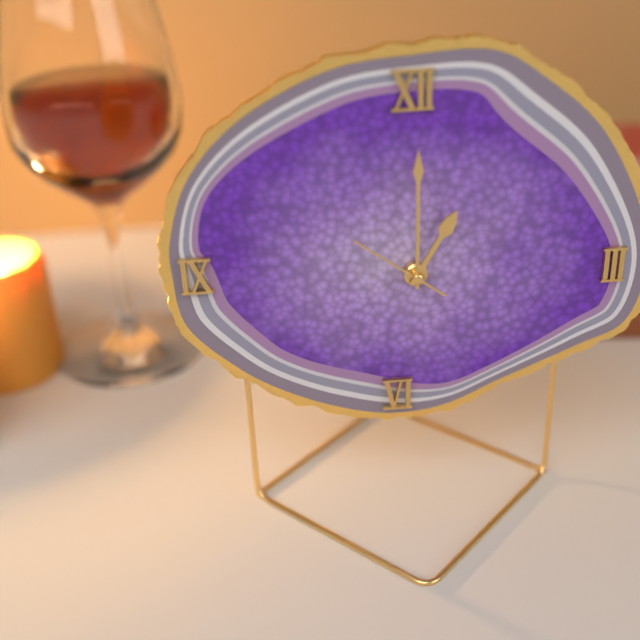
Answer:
{"hour": 1, "minute": 0, "second": 51}
